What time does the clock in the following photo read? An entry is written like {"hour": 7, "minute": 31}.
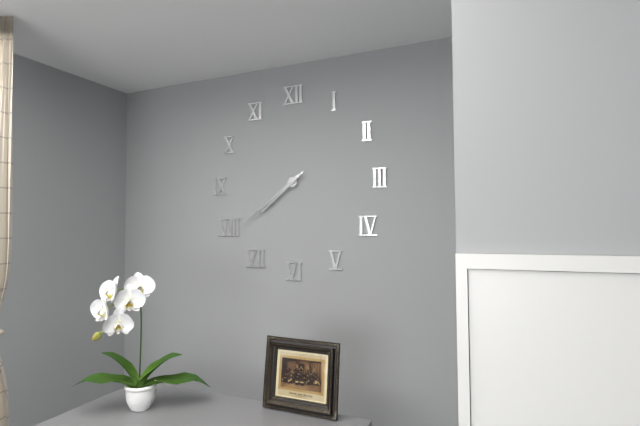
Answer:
{"hour": 7, "minute": 39}
